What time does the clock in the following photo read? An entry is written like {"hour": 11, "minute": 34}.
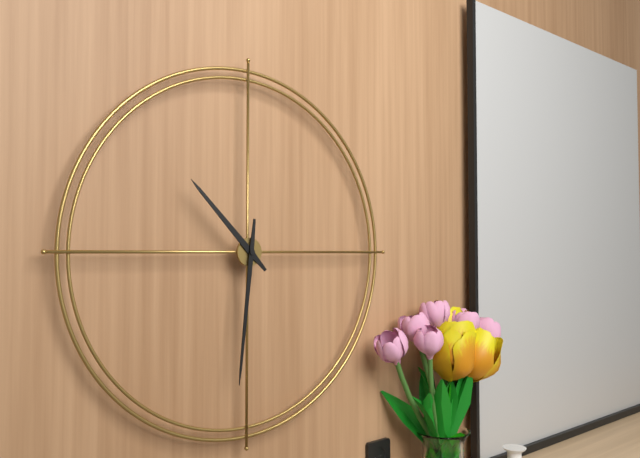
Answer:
{"hour": 10, "minute": 31}
